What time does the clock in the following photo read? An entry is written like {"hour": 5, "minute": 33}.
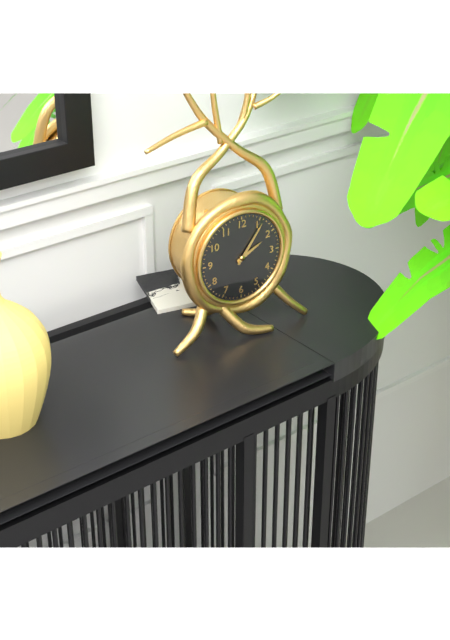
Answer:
{"hour": 2, "minute": 6}
